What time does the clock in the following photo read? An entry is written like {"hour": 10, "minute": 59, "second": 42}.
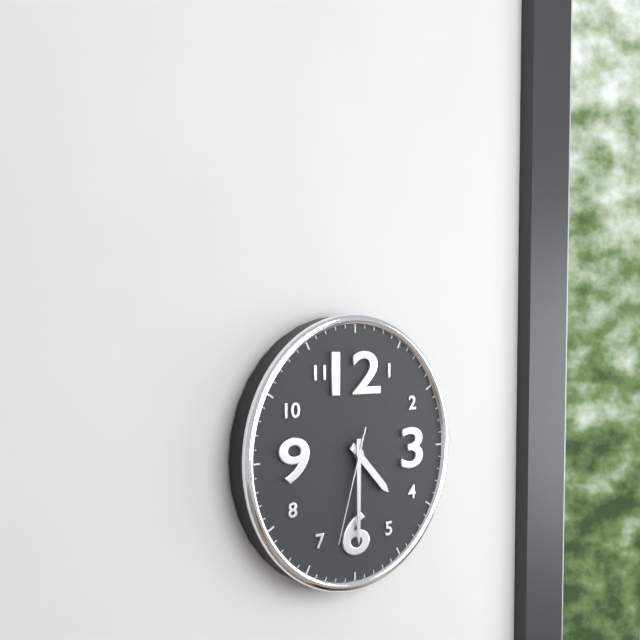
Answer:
{"hour": 4, "minute": 30, "second": 33}
